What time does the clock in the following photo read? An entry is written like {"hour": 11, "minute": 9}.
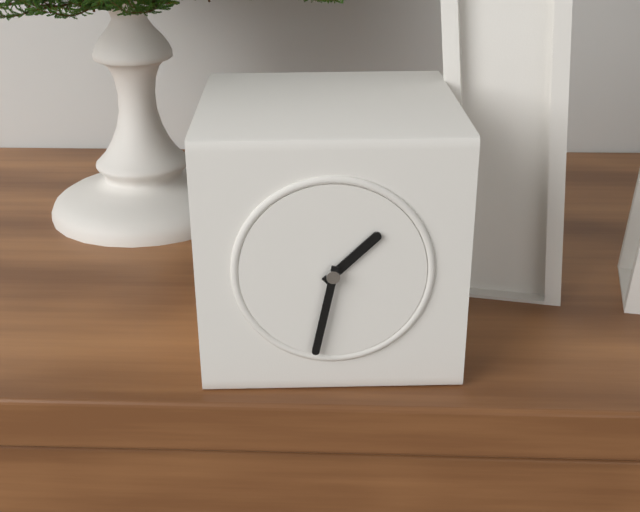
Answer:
{"hour": 1, "minute": 32}
